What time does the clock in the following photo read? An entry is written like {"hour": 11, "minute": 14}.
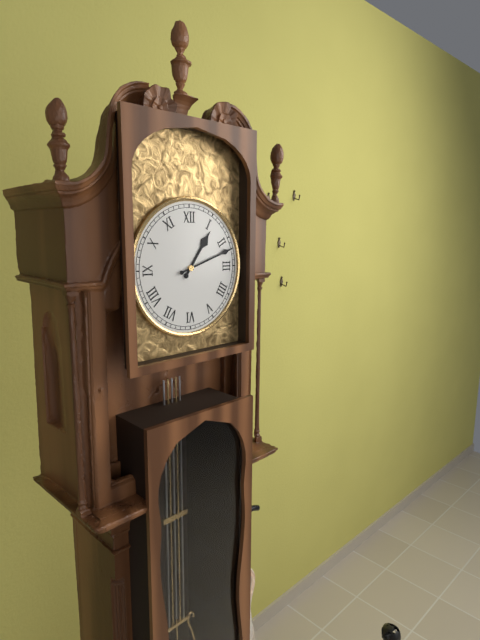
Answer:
{"hour": 1, "minute": 12}
